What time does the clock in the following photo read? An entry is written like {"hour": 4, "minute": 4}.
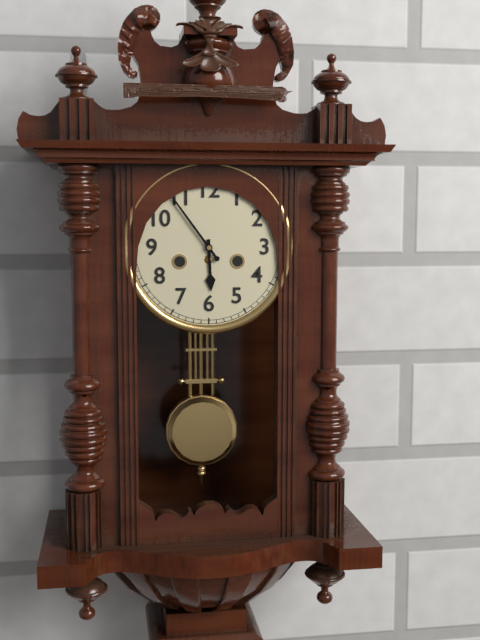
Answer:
{"hour": 5, "minute": 54}
